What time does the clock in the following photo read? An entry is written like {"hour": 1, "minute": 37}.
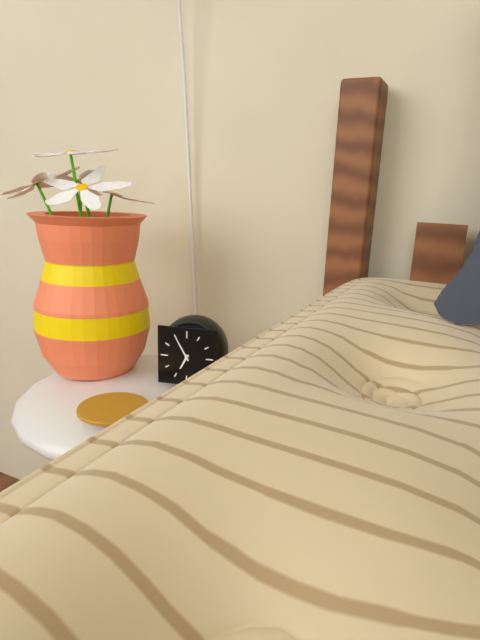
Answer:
{"hour": 6, "minute": 55}
